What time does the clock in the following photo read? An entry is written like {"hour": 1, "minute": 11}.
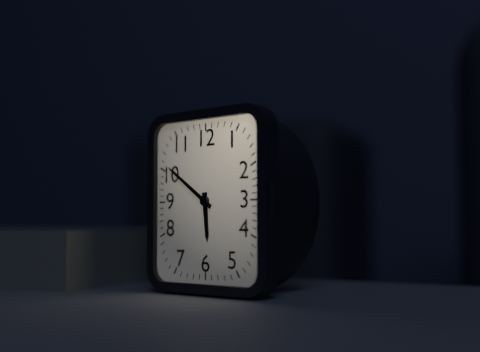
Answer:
{"hour": 5, "minute": 51}
